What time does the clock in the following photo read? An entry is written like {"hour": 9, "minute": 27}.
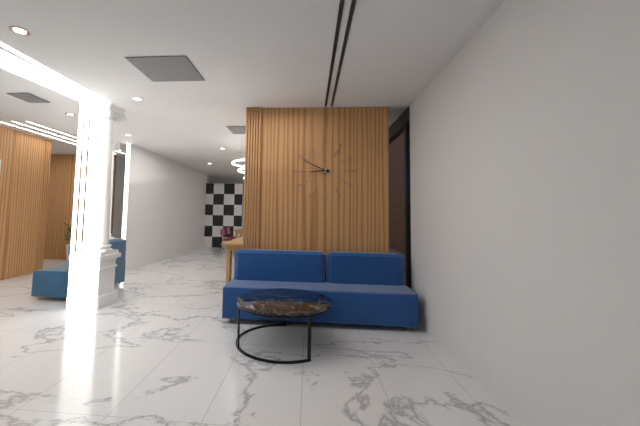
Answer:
{"hour": 8, "minute": 49}
